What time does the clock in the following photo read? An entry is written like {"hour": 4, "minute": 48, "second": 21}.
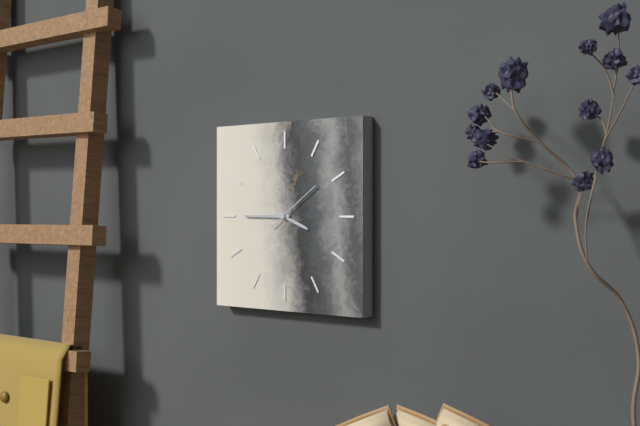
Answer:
{"hour": 3, "minute": 45, "second": 9}
